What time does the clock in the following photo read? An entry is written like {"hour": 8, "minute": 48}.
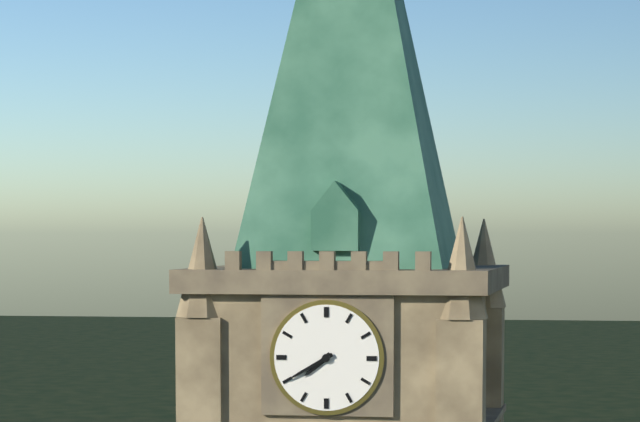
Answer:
{"hour": 7, "minute": 40}
